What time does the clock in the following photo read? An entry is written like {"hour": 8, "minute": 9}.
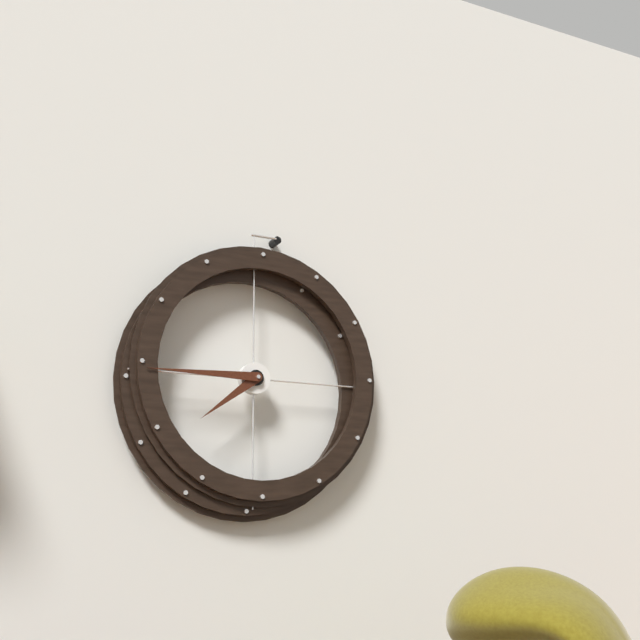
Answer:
{"hour": 7, "minute": 45}
